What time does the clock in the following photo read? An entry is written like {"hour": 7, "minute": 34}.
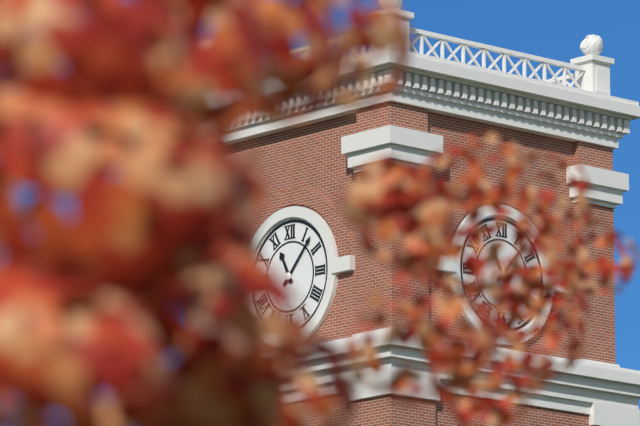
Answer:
{"hour": 11, "minute": 7}
